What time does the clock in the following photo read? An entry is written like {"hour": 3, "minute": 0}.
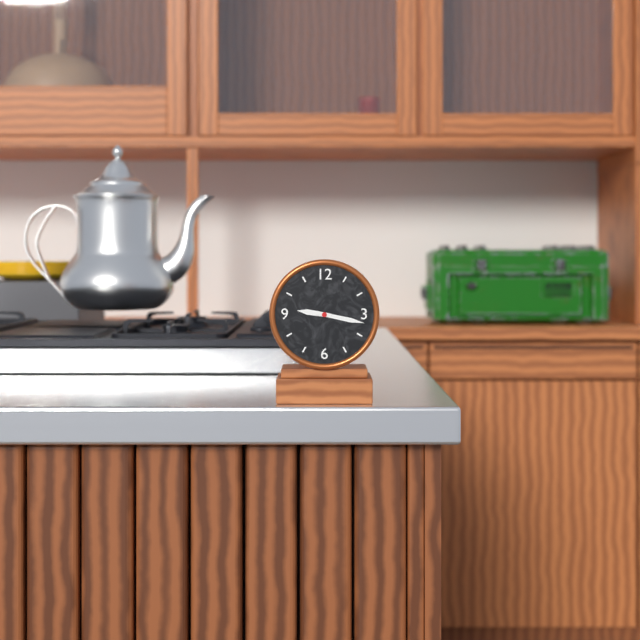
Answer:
{"hour": 9, "minute": 17}
